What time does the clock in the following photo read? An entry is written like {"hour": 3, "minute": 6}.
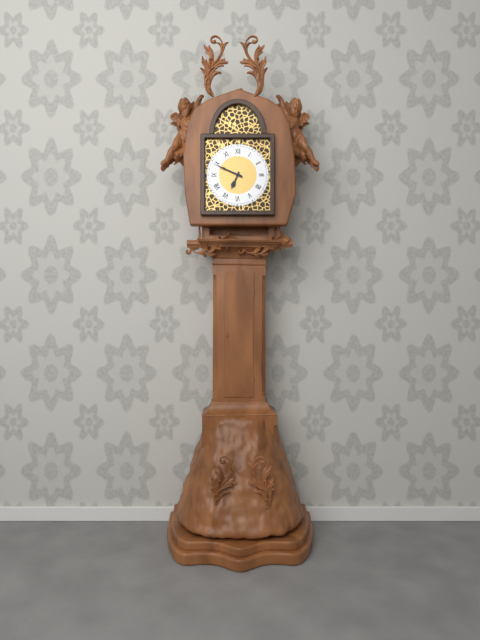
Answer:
{"hour": 6, "minute": 49}
